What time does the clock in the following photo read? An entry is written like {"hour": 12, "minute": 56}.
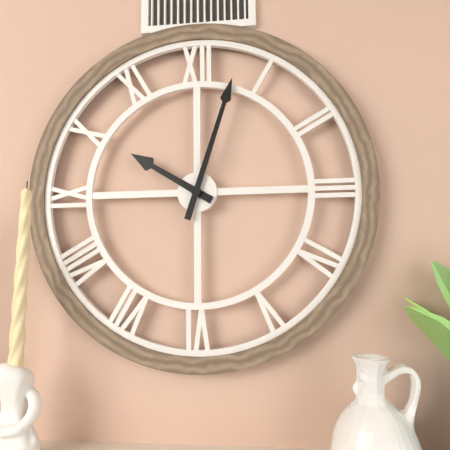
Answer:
{"hour": 10, "minute": 3}
